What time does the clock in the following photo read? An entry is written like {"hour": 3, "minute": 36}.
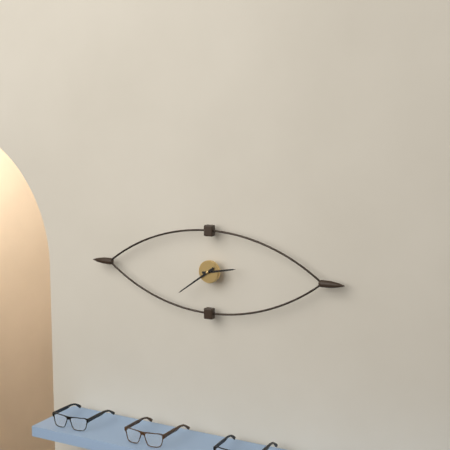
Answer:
{"hour": 2, "minute": 39}
